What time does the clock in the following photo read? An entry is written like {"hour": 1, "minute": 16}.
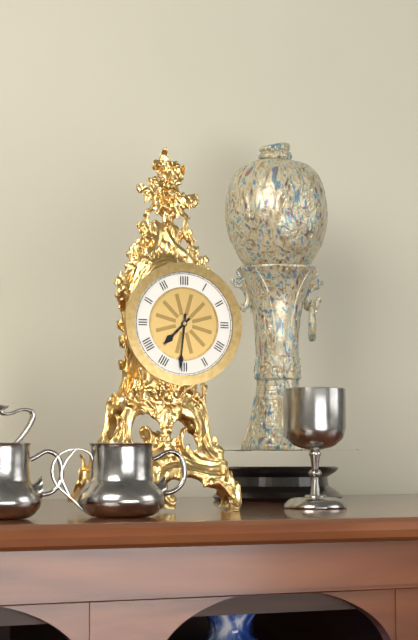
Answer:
{"hour": 7, "minute": 31}
